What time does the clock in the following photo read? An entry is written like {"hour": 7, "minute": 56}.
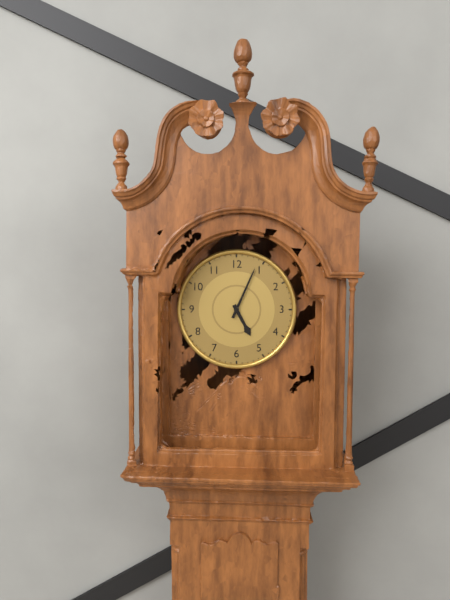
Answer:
{"hour": 5, "minute": 4}
